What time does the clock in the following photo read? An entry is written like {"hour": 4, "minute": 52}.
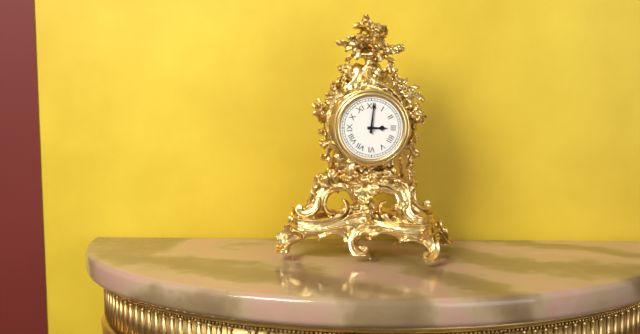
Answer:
{"hour": 3, "minute": 1}
